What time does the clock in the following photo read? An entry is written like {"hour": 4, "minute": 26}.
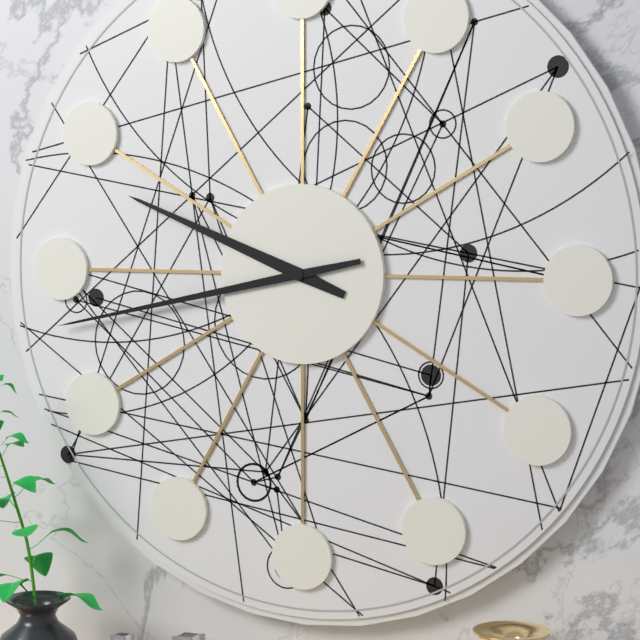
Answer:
{"hour": 9, "minute": 43}
